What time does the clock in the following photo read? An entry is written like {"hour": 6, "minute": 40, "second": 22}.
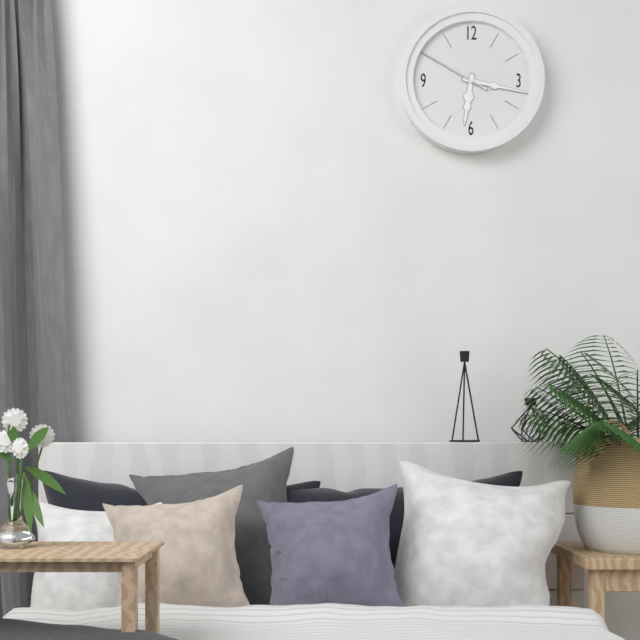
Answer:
{"hour": 6, "minute": 17, "second": 50}
